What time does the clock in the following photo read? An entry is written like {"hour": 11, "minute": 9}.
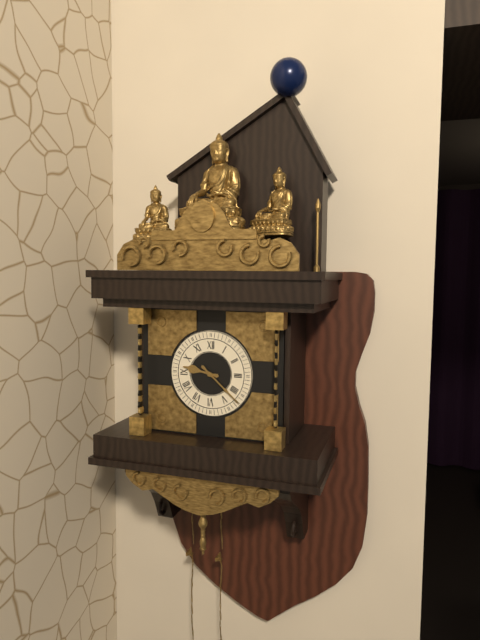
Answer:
{"hour": 9, "minute": 22}
